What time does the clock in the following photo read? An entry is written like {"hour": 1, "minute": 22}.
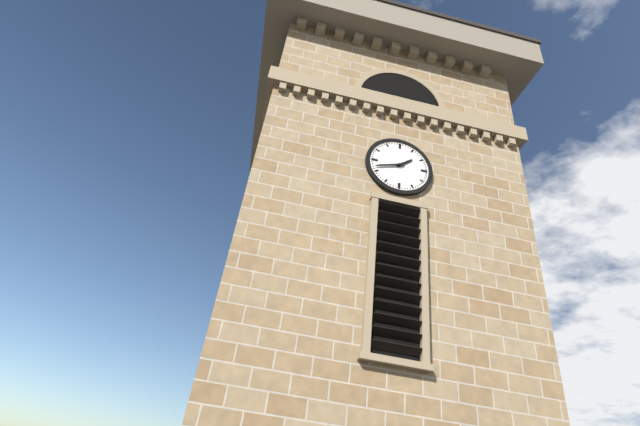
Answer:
{"hour": 1, "minute": 42}
